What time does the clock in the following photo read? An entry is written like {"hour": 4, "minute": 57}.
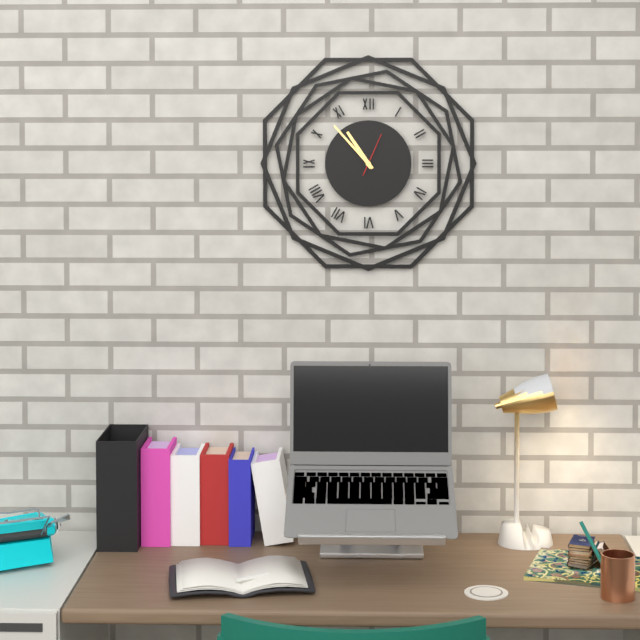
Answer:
{"hour": 10, "minute": 53}
